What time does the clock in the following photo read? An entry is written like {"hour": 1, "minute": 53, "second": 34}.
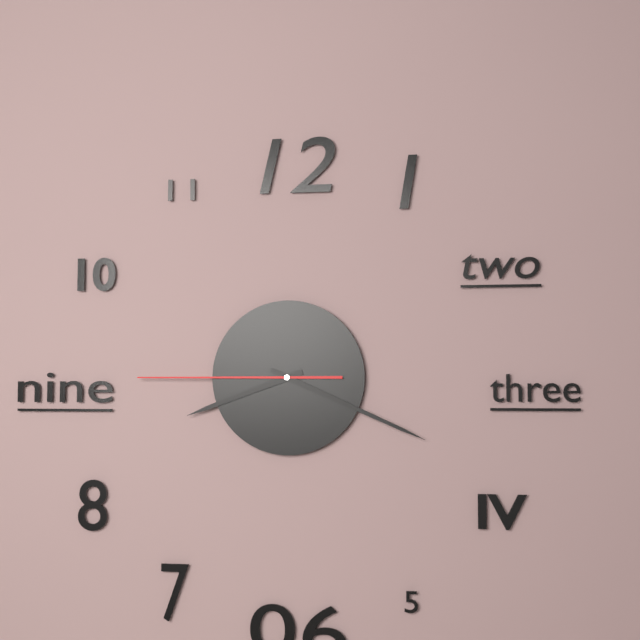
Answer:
{"hour": 8, "minute": 19, "second": 45}
